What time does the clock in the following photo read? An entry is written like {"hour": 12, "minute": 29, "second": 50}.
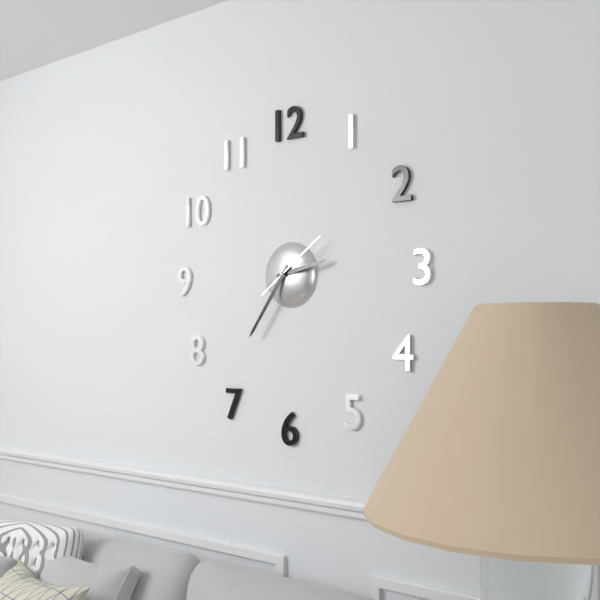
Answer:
{"hour": 2, "minute": 36, "second": 9}
